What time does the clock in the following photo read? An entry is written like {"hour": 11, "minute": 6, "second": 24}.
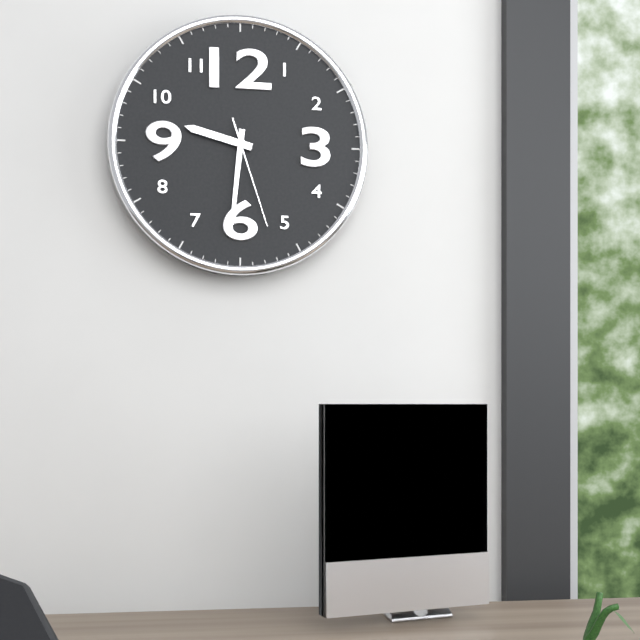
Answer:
{"hour": 9, "minute": 31, "second": 27}
